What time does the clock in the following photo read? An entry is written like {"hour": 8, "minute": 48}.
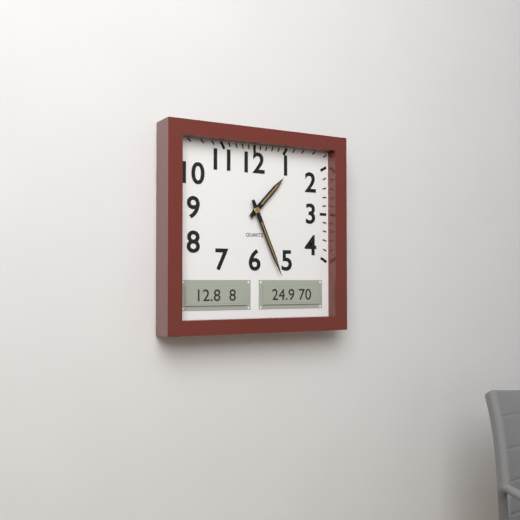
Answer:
{"hour": 1, "minute": 26}
